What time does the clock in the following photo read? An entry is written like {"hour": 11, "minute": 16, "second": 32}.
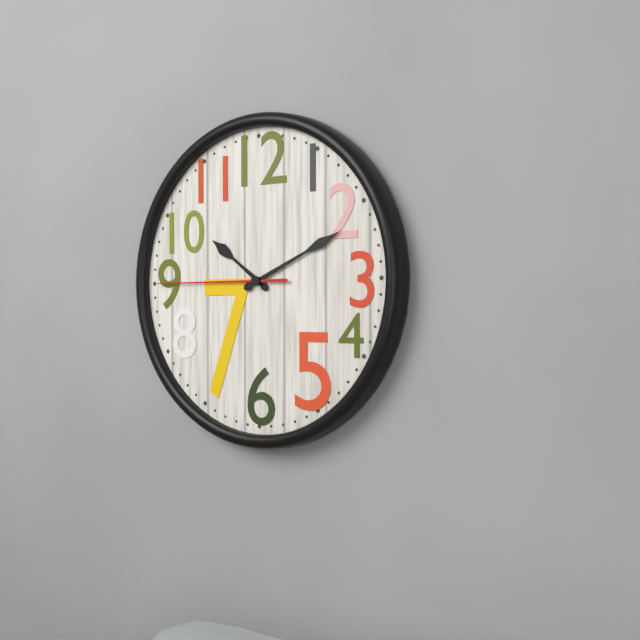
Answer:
{"hour": 10, "minute": 11, "second": 45}
